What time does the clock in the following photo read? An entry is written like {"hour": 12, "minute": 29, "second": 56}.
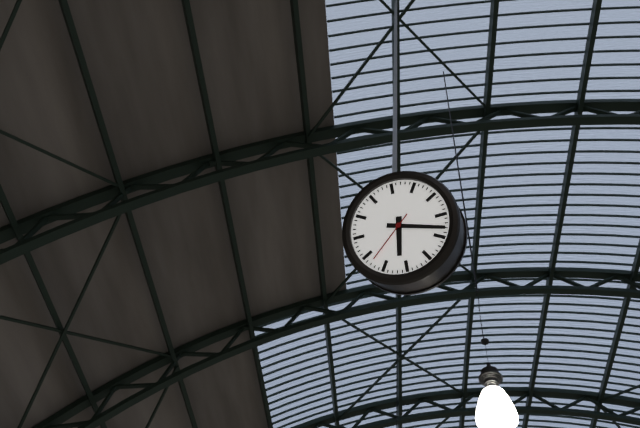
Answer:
{"hour": 6, "minute": 18, "second": 38}
